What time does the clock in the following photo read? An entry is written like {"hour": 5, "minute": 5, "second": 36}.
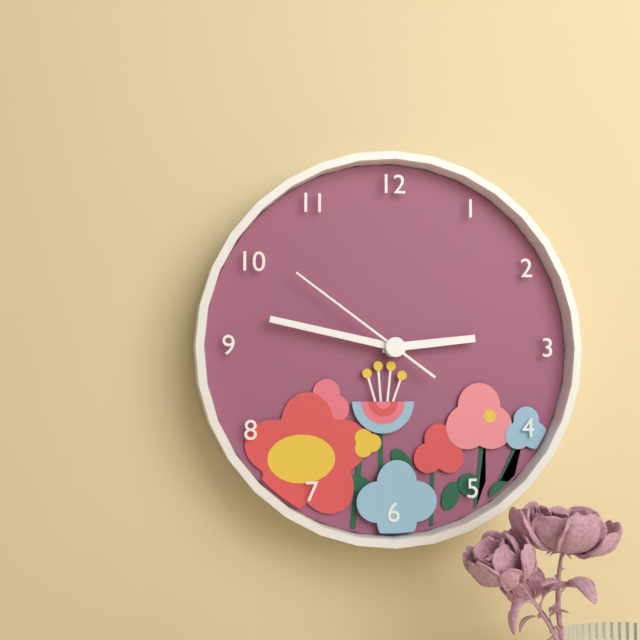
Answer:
{"hour": 2, "minute": 47, "second": 51}
